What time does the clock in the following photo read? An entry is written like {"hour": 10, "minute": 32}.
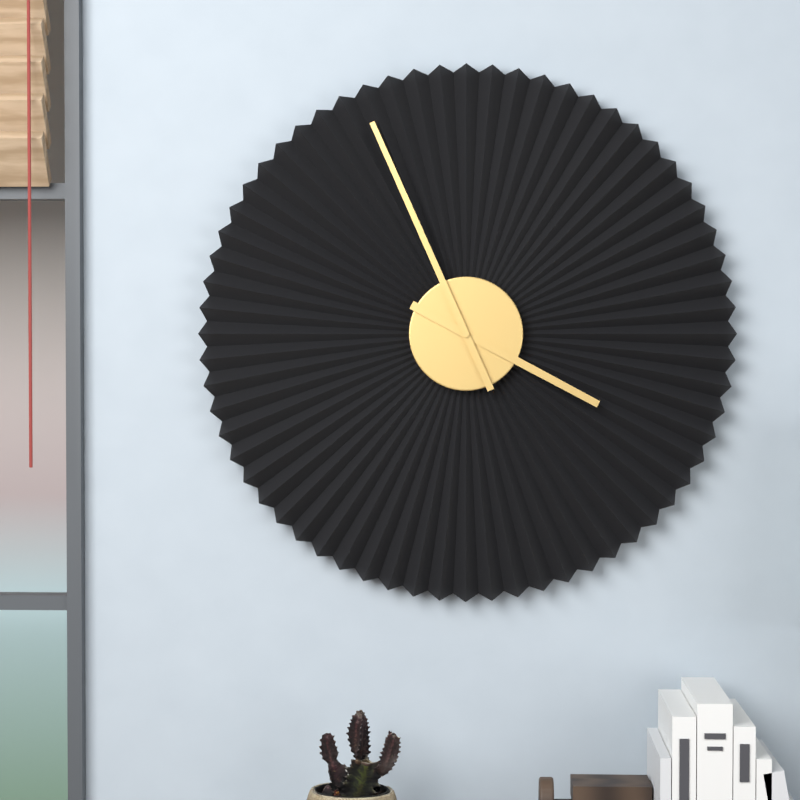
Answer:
{"hour": 3, "minute": 56}
